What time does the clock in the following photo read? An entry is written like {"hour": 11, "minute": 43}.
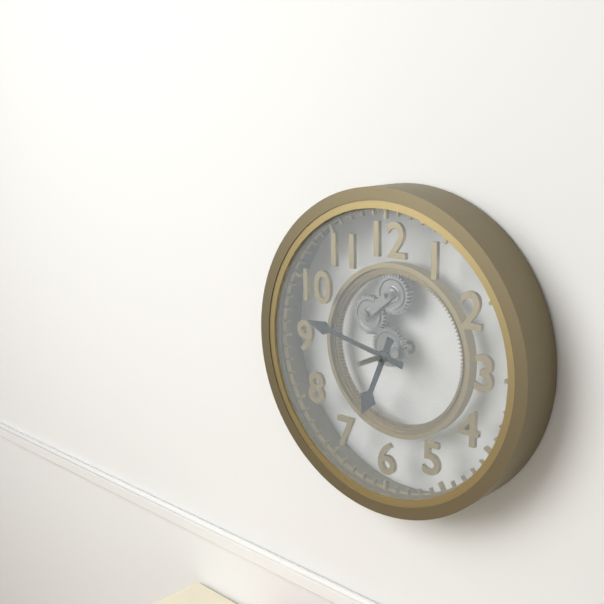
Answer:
{"hour": 6, "minute": 47}
